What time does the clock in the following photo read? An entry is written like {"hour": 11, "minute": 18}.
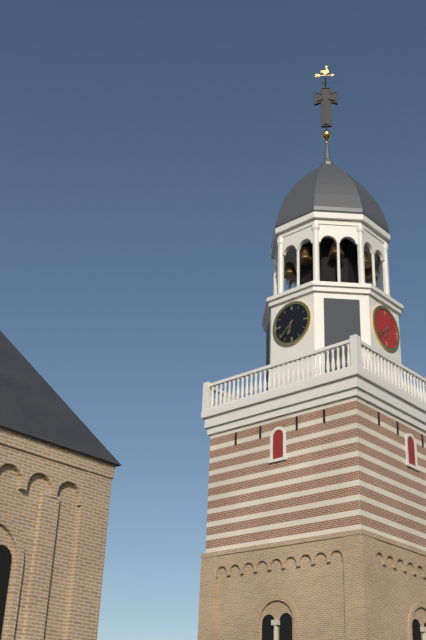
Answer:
{"hour": 6, "minute": 38}
